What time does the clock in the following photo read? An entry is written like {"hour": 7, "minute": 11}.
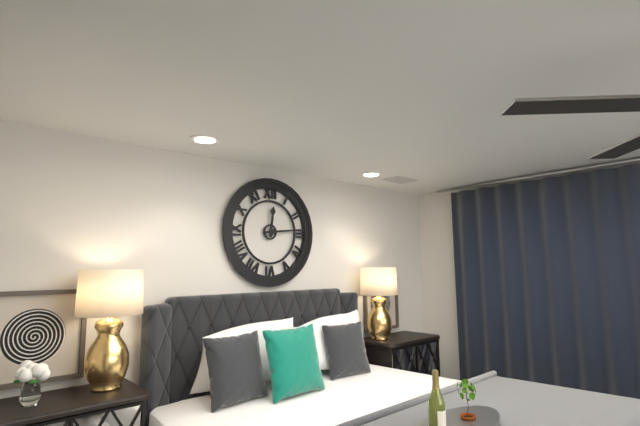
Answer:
{"hour": 12, "minute": 14}
